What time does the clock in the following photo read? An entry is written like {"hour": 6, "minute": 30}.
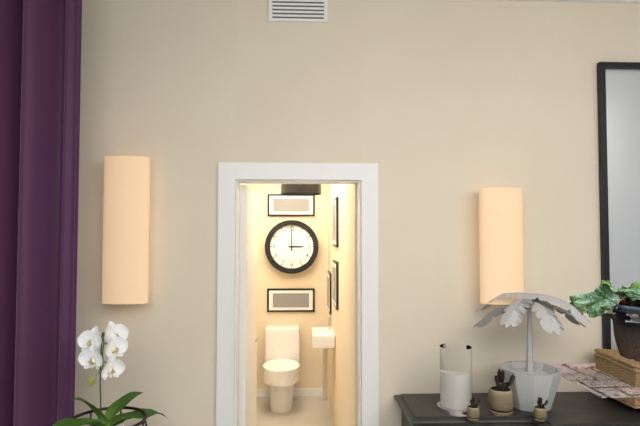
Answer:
{"hour": 3, "minute": 0}
